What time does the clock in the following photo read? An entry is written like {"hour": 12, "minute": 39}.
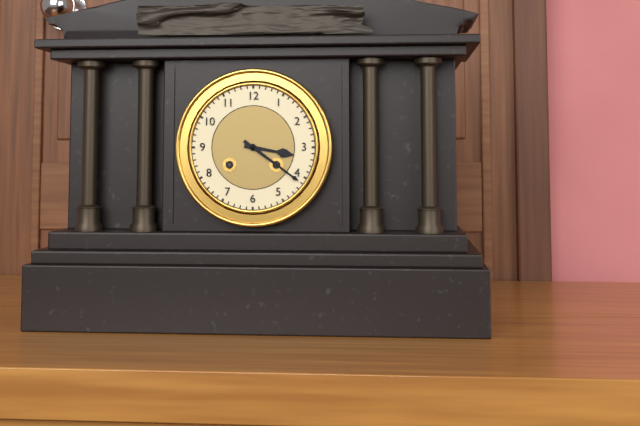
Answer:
{"hour": 3, "minute": 21}
